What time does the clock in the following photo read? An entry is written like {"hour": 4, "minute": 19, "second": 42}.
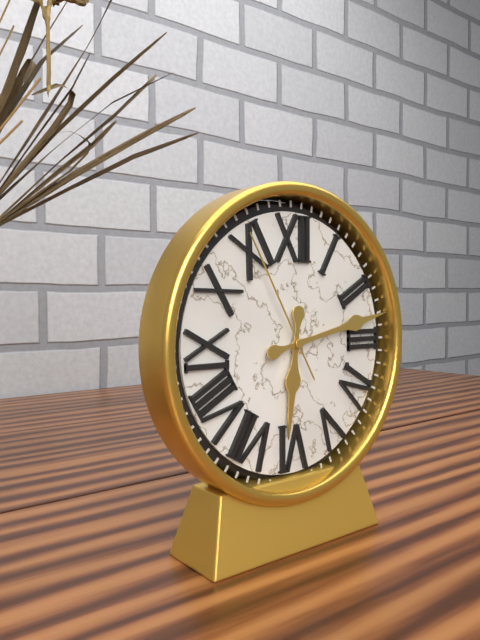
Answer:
{"hour": 6, "minute": 13, "second": 55}
